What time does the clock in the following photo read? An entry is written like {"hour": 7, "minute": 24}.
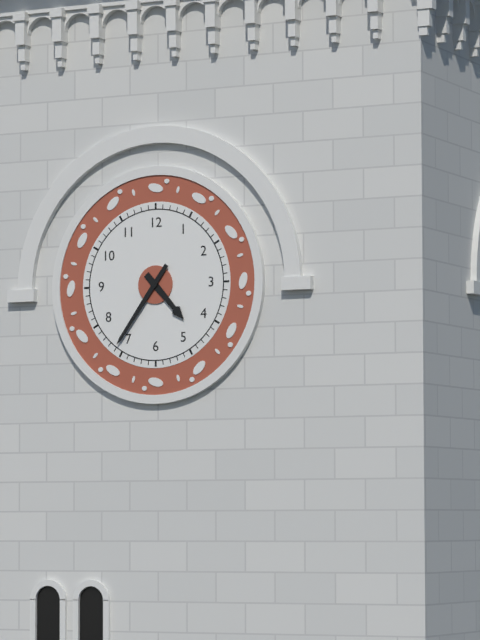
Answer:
{"hour": 4, "minute": 36}
